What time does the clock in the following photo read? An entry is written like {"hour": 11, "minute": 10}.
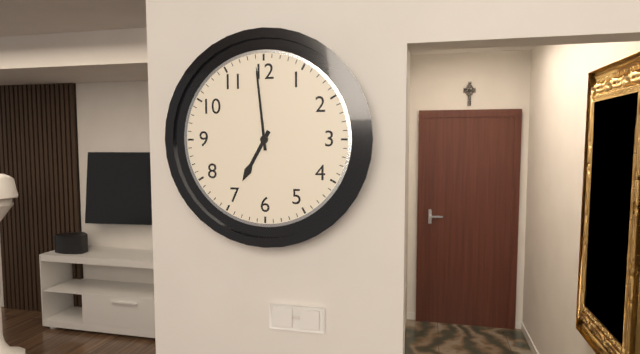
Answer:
{"hour": 6, "minute": 59}
